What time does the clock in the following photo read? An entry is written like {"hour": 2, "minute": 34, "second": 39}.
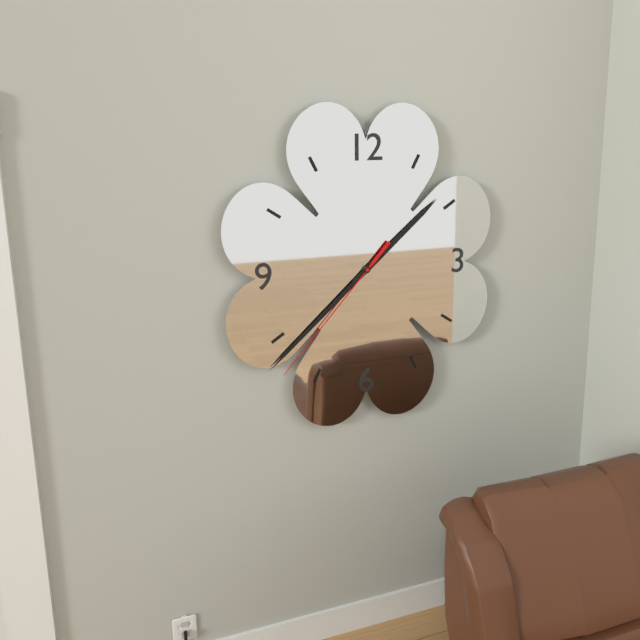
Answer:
{"hour": 1, "minute": 38, "second": 37}
